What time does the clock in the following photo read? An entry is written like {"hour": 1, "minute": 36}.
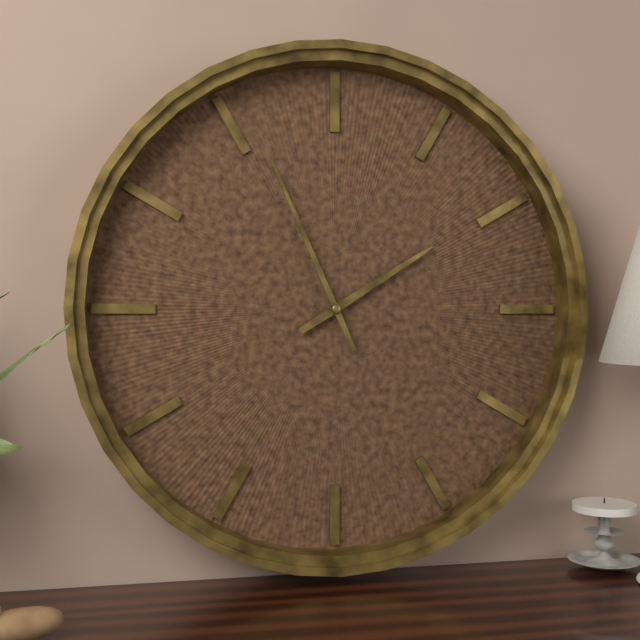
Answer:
{"hour": 1, "minute": 56}
